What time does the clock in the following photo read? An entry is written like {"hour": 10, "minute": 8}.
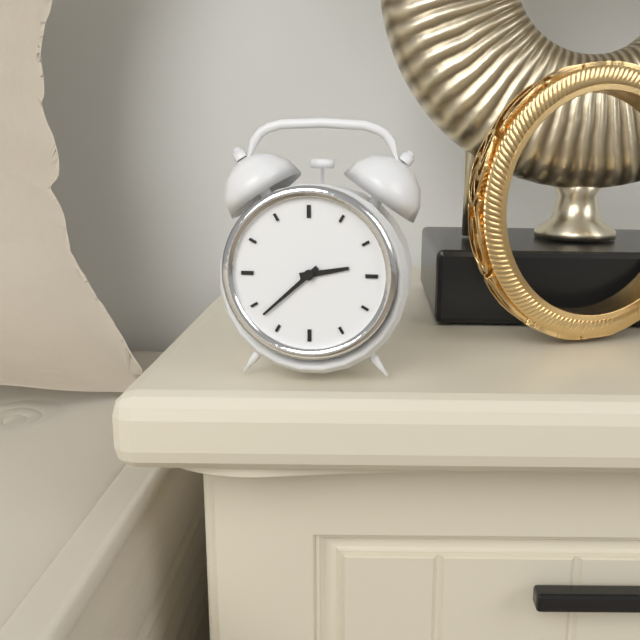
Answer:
{"hour": 2, "minute": 38}
